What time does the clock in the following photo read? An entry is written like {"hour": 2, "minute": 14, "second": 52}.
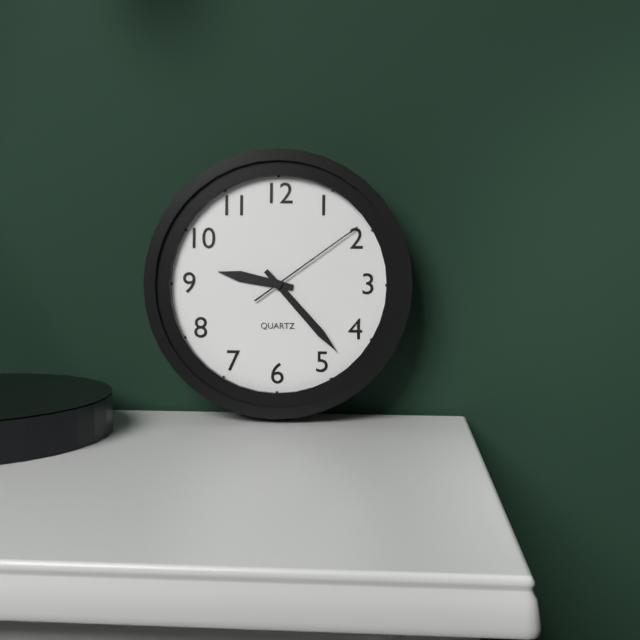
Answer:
{"hour": 9, "minute": 23, "second": 9}
